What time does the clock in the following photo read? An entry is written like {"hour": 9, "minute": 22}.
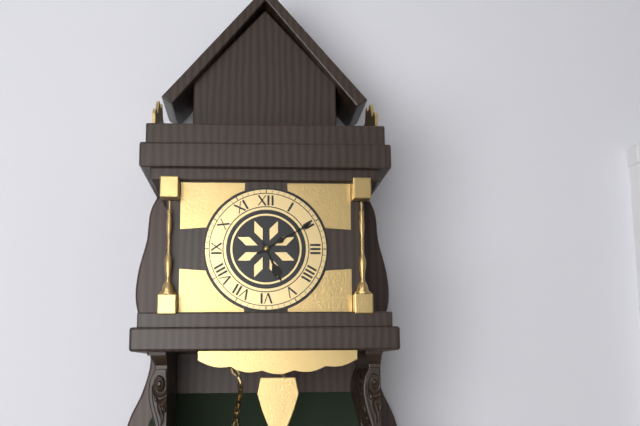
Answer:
{"hour": 5, "minute": 10}
